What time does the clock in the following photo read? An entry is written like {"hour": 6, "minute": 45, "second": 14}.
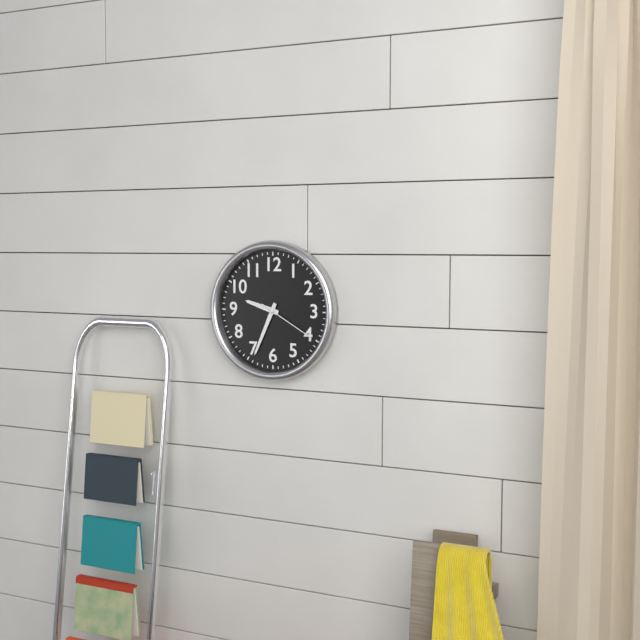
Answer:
{"hour": 9, "minute": 34, "second": 20}
